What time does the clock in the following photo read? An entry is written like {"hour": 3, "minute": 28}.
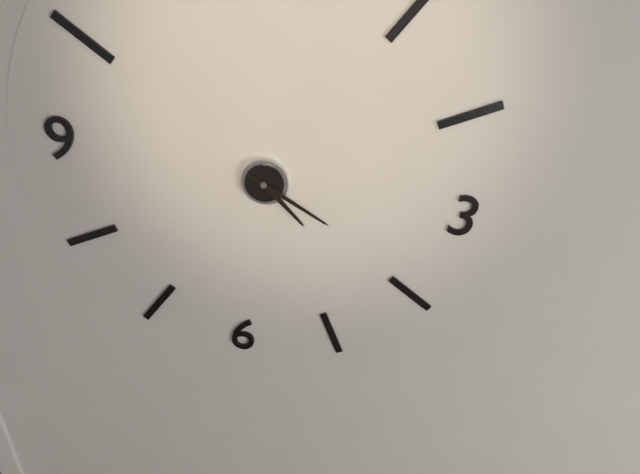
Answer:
{"hour": 4, "minute": 19}
